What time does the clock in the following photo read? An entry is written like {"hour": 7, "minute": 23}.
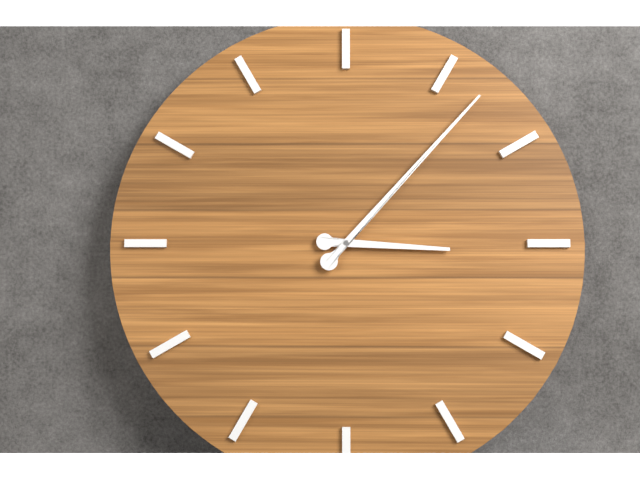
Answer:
{"hour": 3, "minute": 7}
